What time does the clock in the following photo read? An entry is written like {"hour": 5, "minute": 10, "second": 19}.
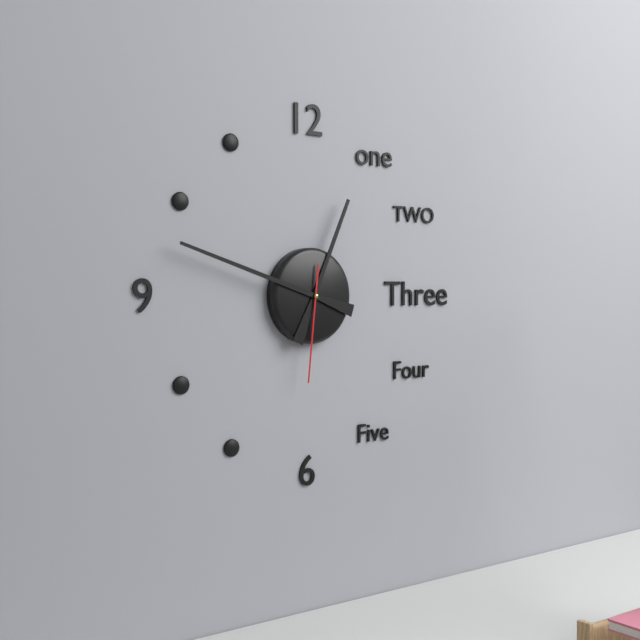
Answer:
{"hour": 12, "minute": 48, "second": 31}
